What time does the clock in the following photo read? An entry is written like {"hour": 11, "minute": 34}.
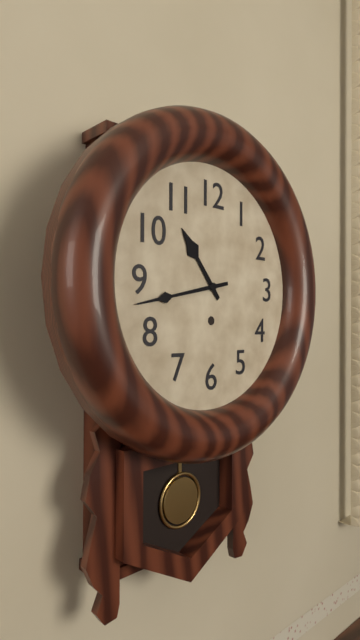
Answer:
{"hour": 10, "minute": 43}
